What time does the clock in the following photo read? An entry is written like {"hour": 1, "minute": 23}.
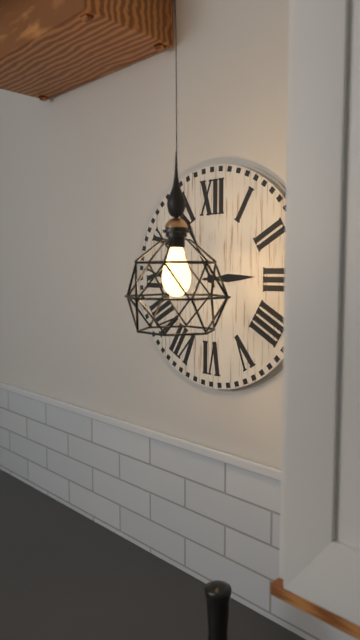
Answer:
{"hour": 2, "minute": 55}
